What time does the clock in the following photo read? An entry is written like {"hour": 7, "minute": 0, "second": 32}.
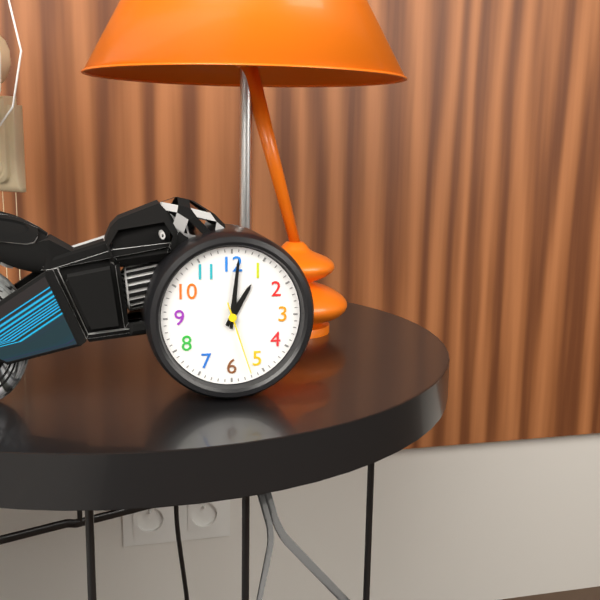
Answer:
{"hour": 1, "minute": 1, "second": 27}
